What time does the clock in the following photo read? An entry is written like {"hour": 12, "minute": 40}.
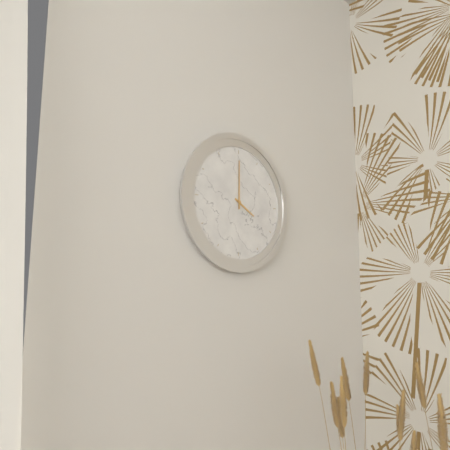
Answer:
{"hour": 4, "minute": 0}
